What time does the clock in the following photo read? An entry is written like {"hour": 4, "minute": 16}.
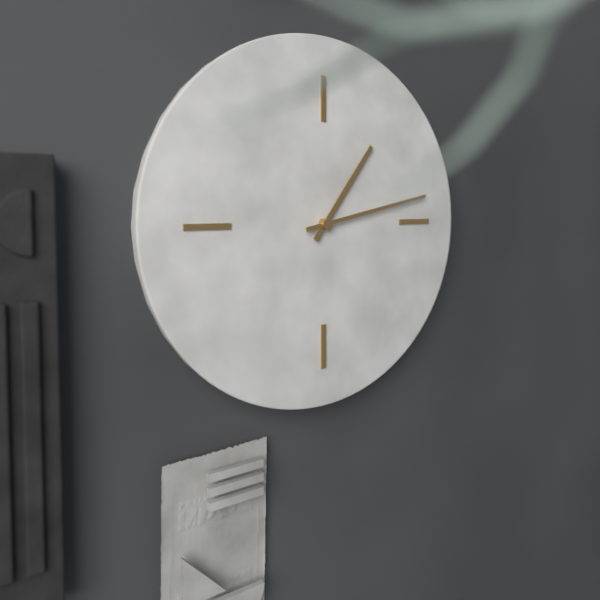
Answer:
{"hour": 1, "minute": 13}
